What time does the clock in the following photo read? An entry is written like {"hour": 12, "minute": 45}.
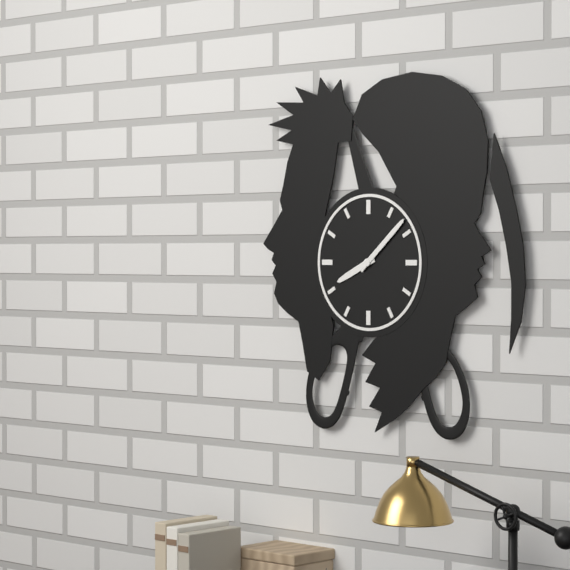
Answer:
{"hour": 8, "minute": 8}
